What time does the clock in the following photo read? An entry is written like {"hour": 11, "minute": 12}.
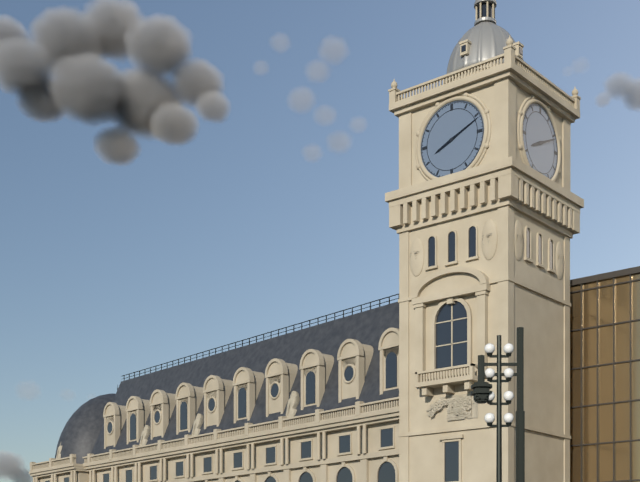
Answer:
{"hour": 8, "minute": 11}
